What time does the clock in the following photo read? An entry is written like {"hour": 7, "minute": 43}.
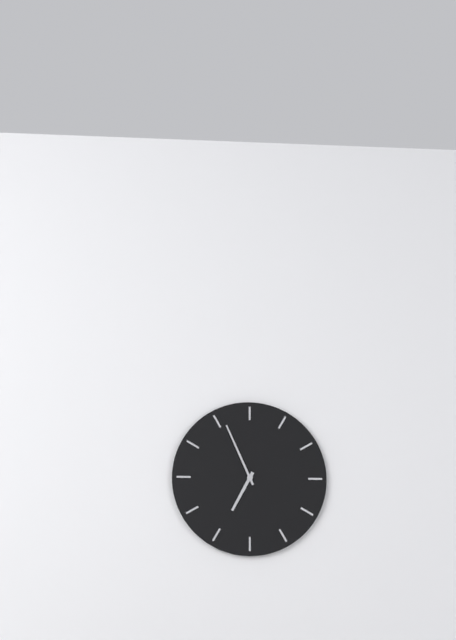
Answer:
{"hour": 6, "minute": 56}
